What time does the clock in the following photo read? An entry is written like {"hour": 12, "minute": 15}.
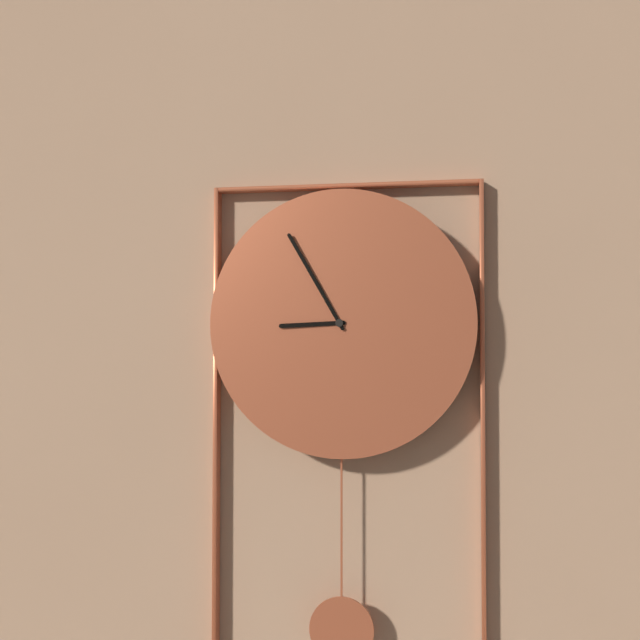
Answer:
{"hour": 8, "minute": 55}
